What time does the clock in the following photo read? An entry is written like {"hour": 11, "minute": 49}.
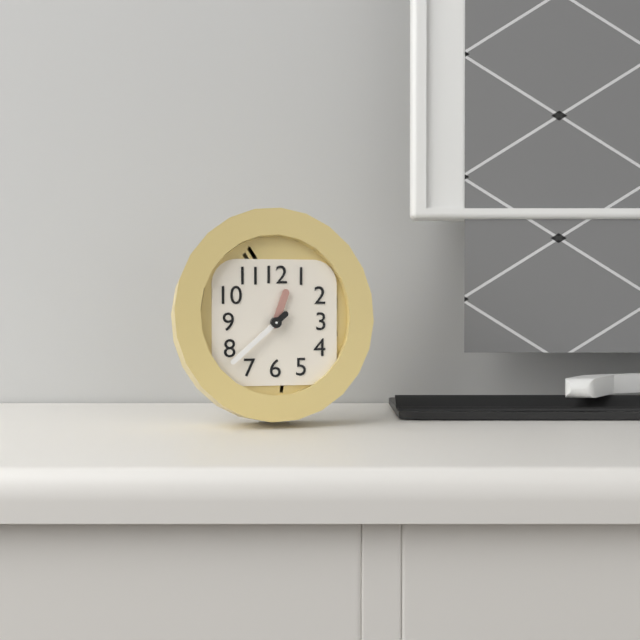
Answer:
{"hour": 12, "minute": 38}
